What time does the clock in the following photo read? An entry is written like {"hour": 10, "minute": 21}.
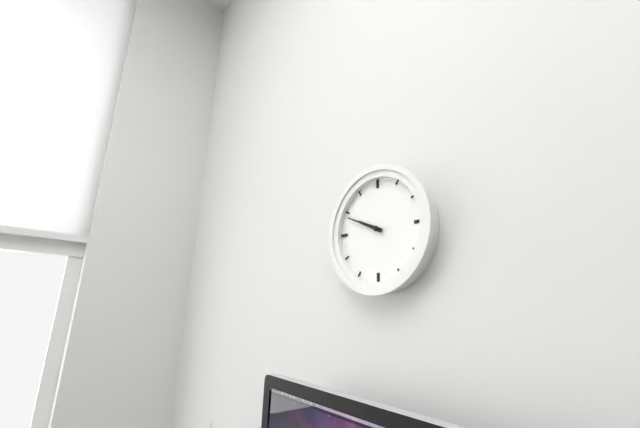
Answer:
{"hour": 9, "minute": 49}
